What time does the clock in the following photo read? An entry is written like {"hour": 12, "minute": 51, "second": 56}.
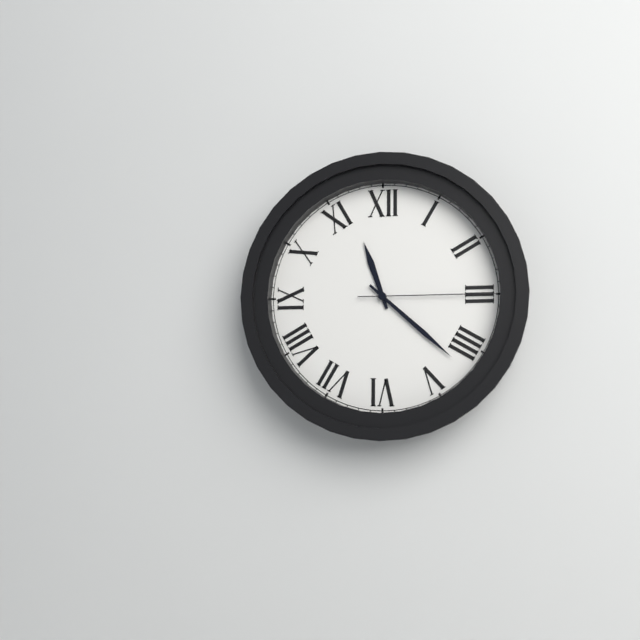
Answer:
{"hour": 11, "minute": 22, "second": 15}
